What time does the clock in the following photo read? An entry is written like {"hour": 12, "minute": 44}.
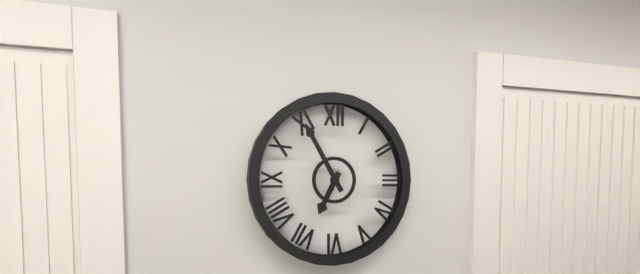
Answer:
{"hour": 6, "minute": 55}
